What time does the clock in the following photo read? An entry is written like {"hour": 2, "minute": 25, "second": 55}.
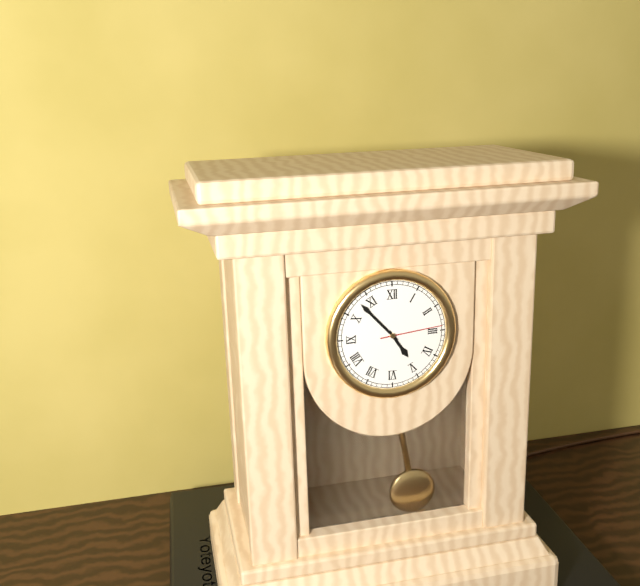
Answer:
{"hour": 4, "minute": 53, "second": 14}
